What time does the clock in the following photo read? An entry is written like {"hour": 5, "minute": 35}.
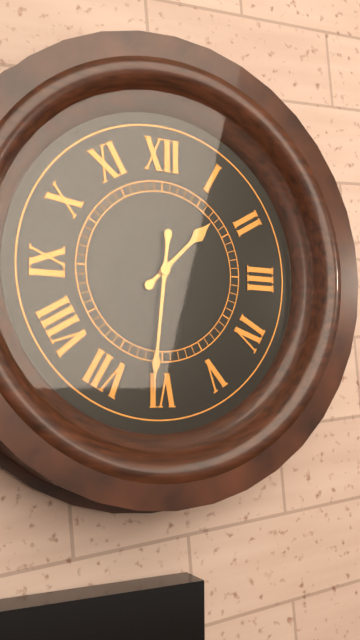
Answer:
{"hour": 1, "minute": 31}
